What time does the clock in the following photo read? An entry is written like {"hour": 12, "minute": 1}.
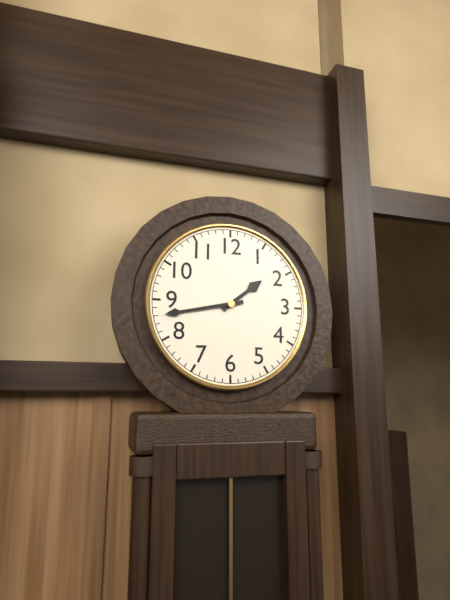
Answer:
{"hour": 1, "minute": 43}
